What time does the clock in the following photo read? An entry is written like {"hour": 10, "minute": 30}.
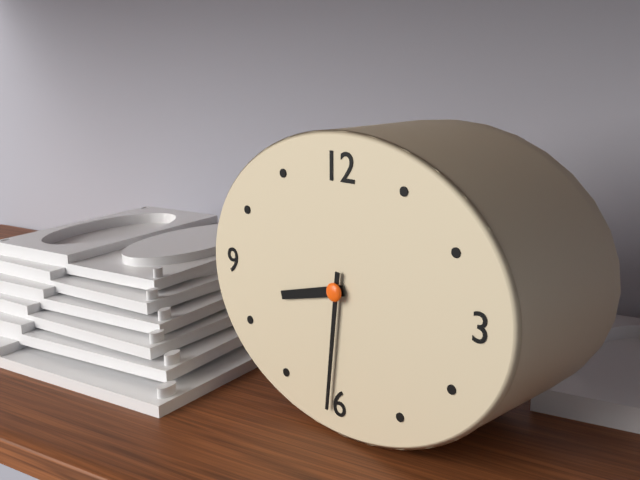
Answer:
{"hour": 8, "minute": 31}
